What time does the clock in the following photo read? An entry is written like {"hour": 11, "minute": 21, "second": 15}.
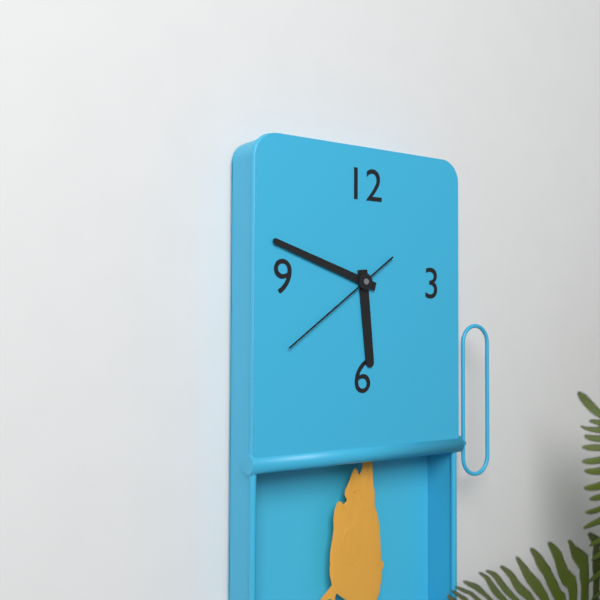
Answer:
{"hour": 5, "minute": 48, "second": 39}
